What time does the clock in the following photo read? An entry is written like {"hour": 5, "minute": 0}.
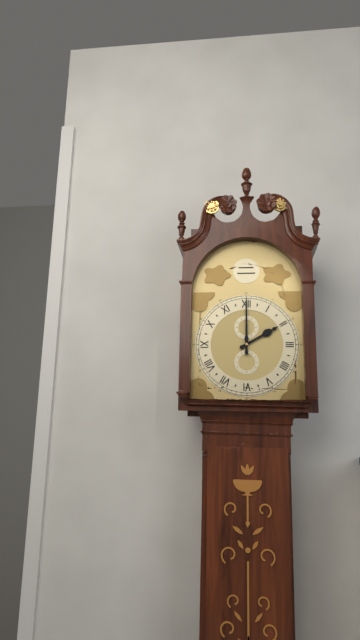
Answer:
{"hour": 2, "minute": 0}
